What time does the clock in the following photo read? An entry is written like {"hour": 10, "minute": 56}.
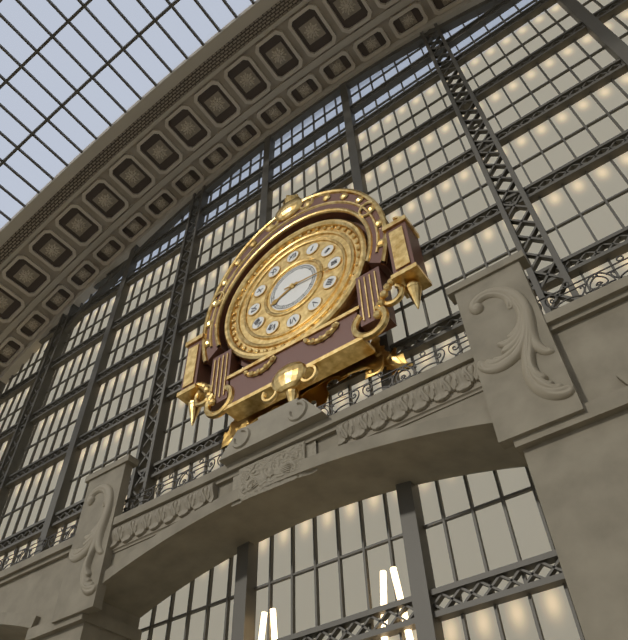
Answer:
{"hour": 8, "minute": 16}
